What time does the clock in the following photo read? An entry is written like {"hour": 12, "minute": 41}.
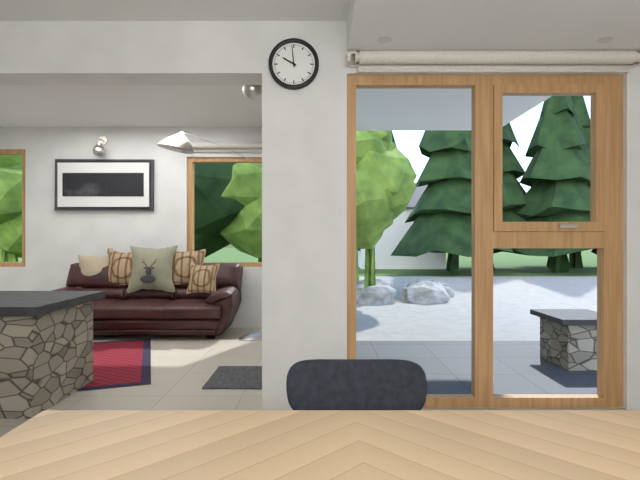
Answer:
{"hour": 9, "minute": 59}
